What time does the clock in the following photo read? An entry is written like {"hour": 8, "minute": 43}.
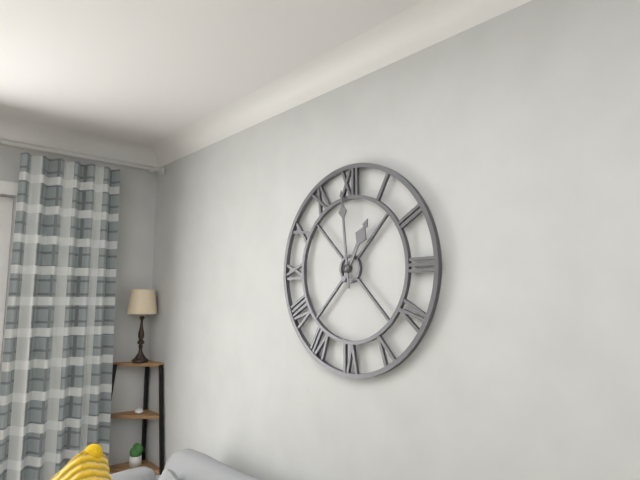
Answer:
{"hour": 12, "minute": 59}
